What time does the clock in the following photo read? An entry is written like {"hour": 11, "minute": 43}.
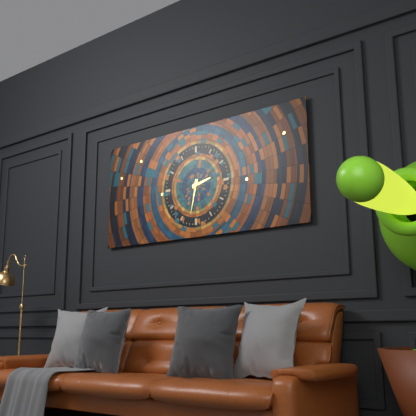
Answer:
{"hour": 2, "minute": 32}
